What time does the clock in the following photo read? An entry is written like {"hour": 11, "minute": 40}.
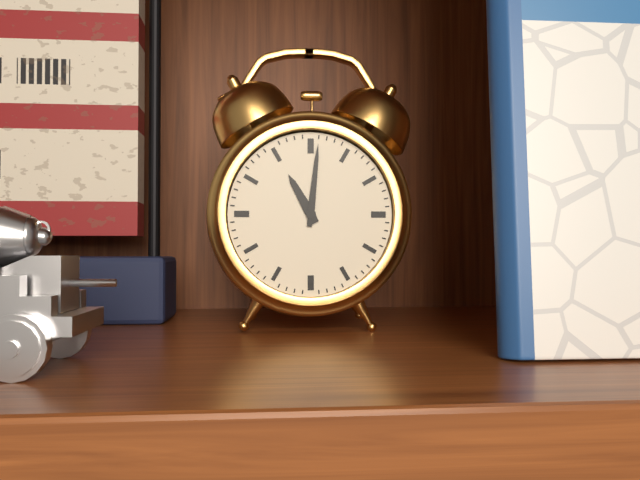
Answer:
{"hour": 11, "minute": 1}
